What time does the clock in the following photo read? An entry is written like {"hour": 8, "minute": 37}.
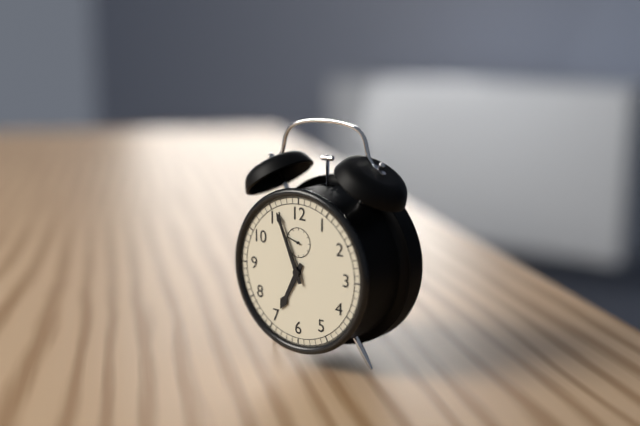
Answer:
{"hour": 6, "minute": 56}
